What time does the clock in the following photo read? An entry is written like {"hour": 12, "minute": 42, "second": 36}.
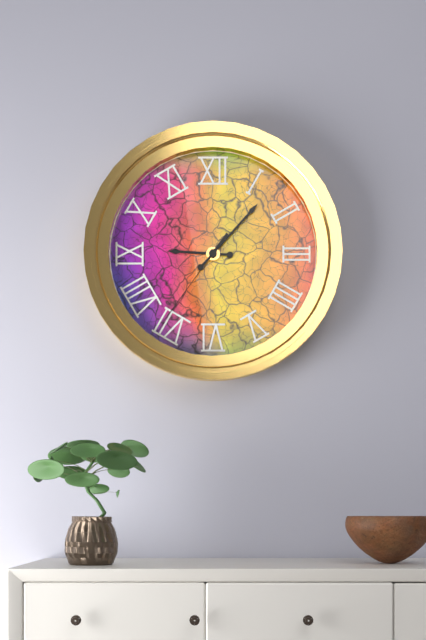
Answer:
{"hour": 9, "minute": 7, "second": 36}
